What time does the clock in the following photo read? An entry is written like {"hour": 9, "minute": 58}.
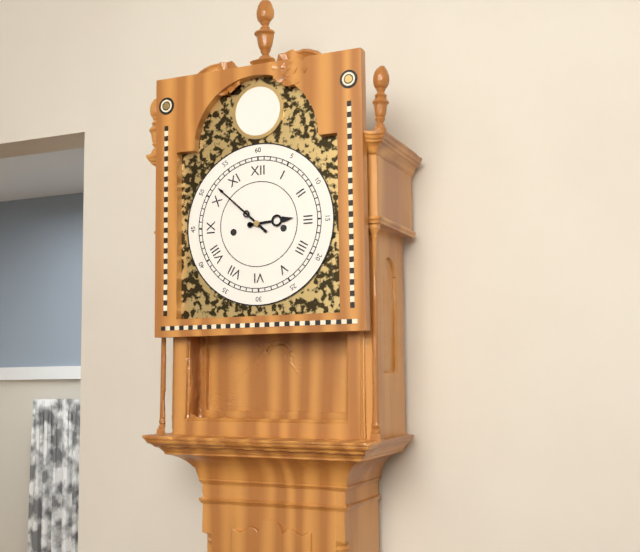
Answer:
{"hour": 2, "minute": 52}
